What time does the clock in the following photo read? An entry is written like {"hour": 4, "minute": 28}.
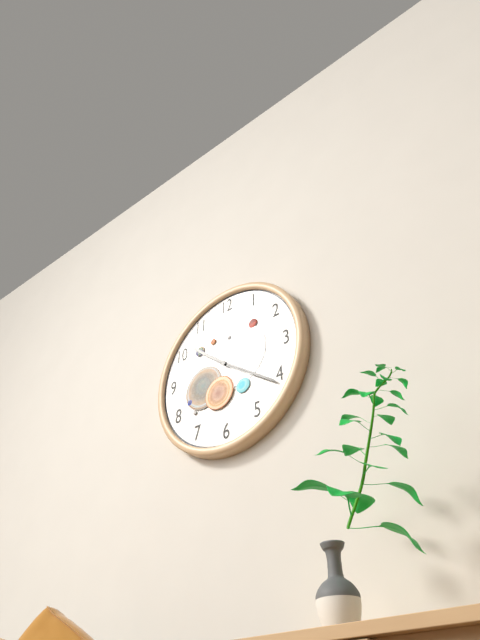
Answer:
{"hour": 10, "minute": 21}
